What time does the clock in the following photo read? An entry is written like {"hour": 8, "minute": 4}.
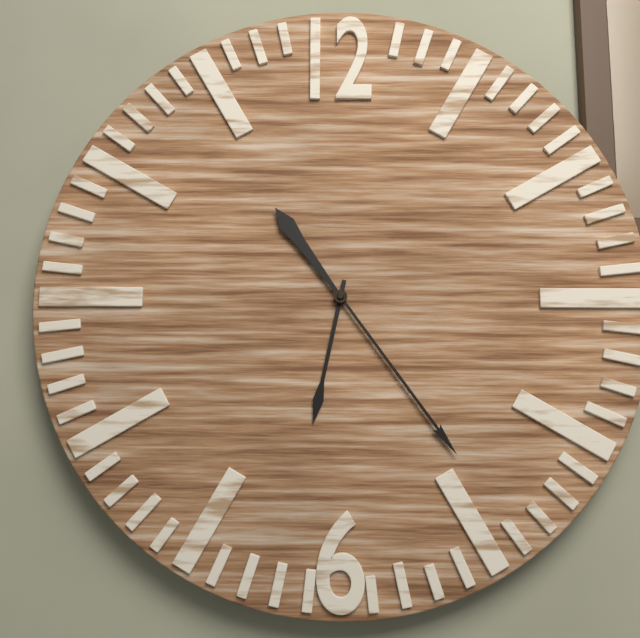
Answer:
{"hour": 6, "minute": 24}
